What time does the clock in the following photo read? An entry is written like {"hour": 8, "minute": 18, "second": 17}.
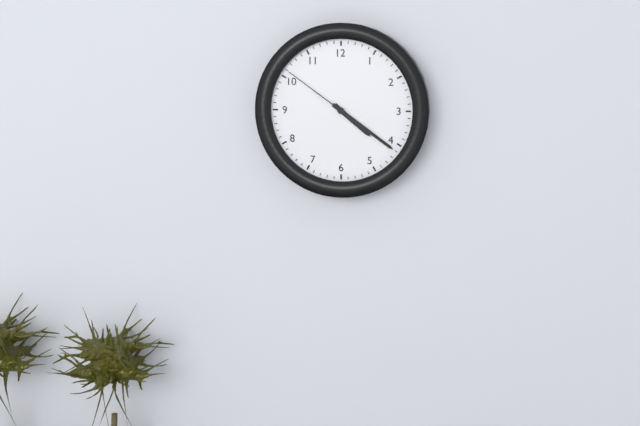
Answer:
{"hour": 4, "minute": 21, "second": 51}
